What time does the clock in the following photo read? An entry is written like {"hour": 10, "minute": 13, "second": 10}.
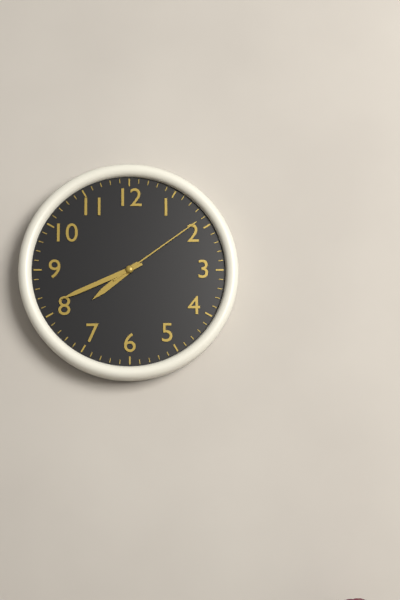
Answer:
{"hour": 7, "minute": 41, "second": 9}
